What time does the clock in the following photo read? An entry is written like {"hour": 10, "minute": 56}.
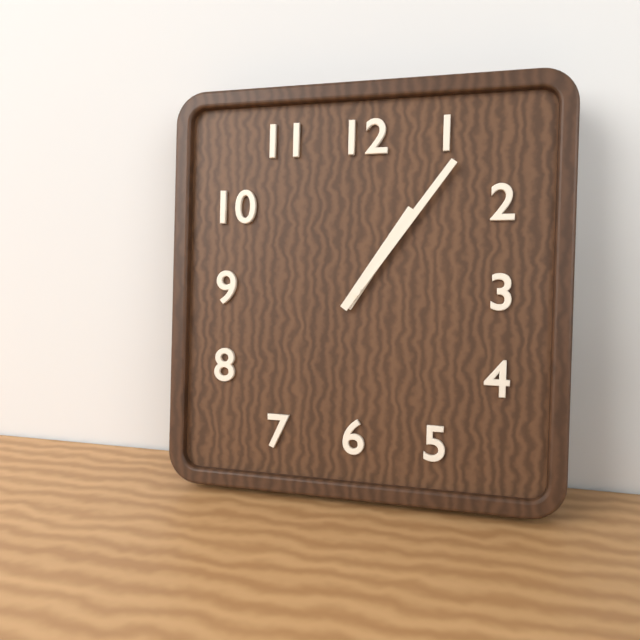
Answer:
{"hour": 1, "minute": 6}
